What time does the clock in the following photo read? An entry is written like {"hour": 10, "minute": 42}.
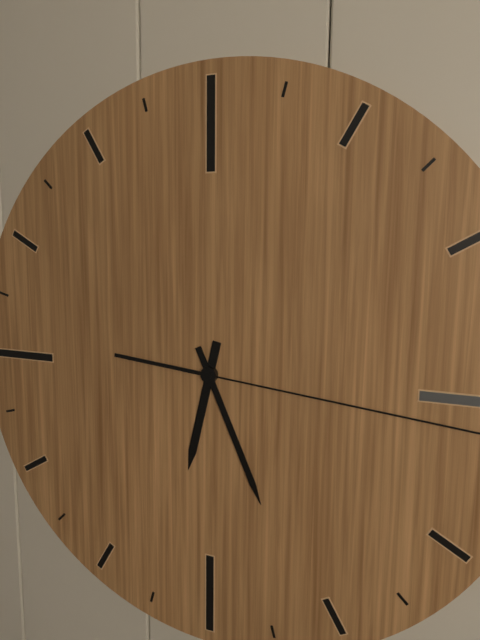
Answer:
{"hour": 6, "minute": 26}
